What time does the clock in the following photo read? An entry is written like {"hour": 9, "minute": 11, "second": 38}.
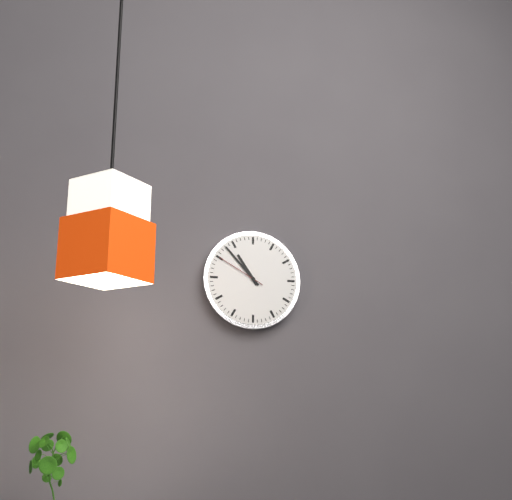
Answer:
{"hour": 10, "minute": 53, "second": 50}
